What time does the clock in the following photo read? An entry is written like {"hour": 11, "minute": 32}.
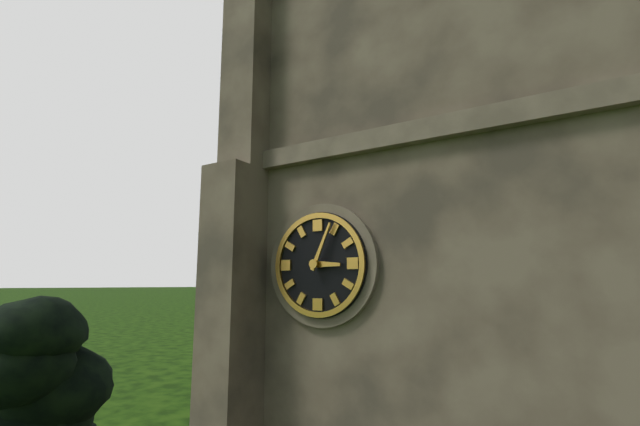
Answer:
{"hour": 3, "minute": 4}
